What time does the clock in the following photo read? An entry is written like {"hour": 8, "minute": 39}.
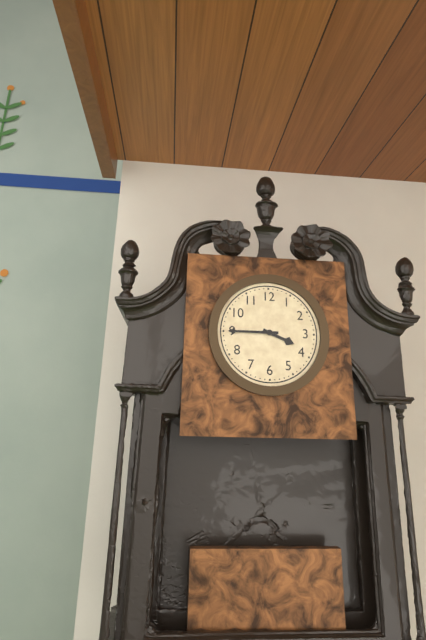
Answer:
{"hour": 3, "minute": 45}
